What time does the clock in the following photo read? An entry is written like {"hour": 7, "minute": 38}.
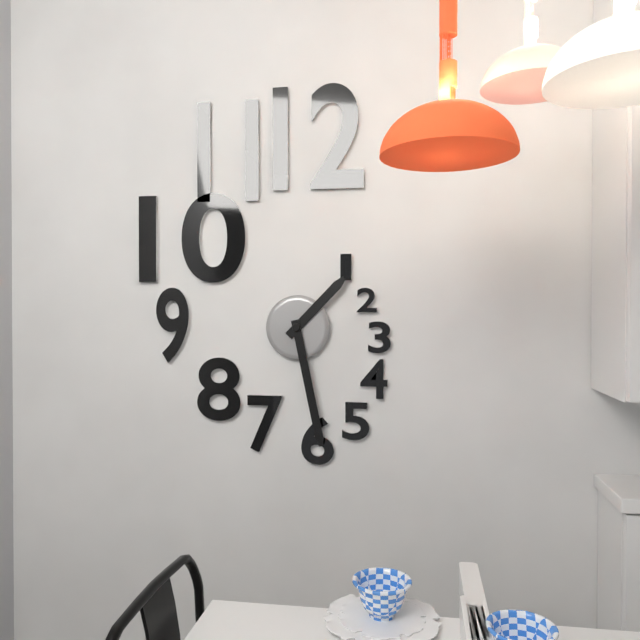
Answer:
{"hour": 1, "minute": 28}
